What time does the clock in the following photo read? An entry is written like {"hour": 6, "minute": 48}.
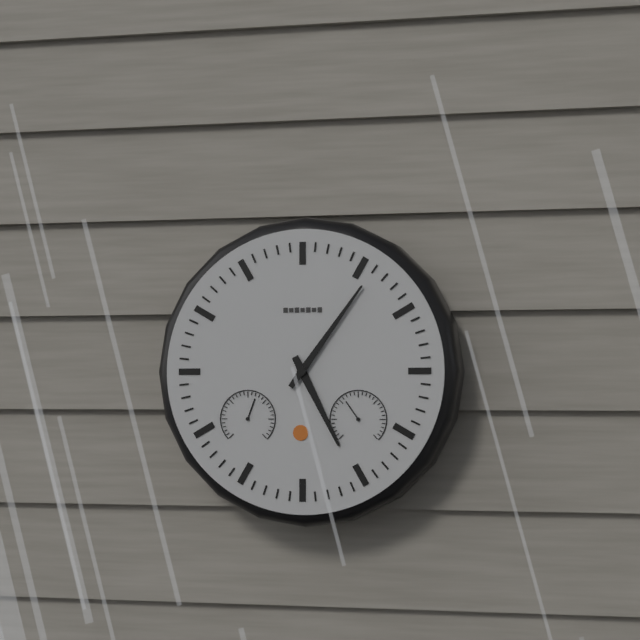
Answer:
{"hour": 5, "minute": 6}
